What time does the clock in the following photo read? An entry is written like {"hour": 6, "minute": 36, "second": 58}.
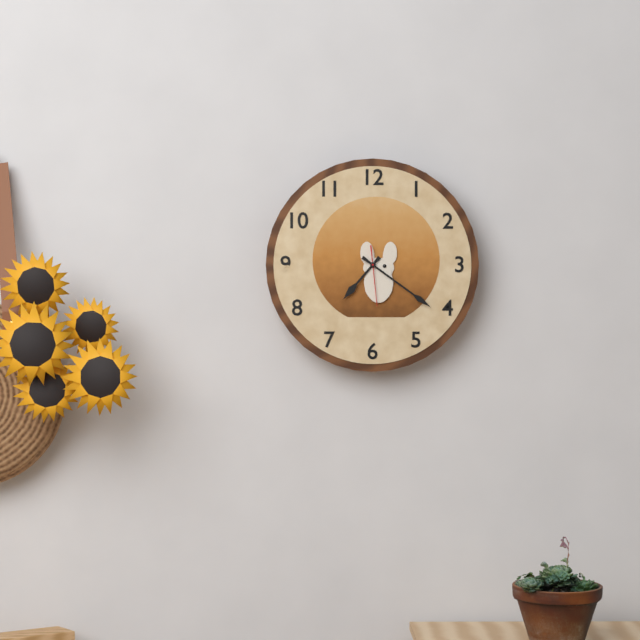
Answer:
{"hour": 7, "minute": 21, "second": 29}
